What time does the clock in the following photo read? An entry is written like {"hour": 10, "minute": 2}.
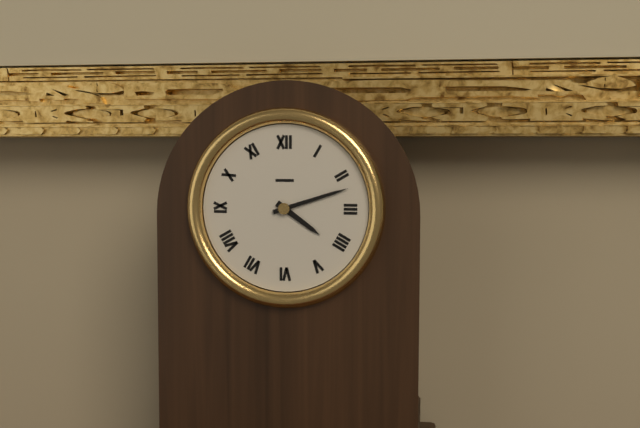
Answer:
{"hour": 4, "minute": 12}
